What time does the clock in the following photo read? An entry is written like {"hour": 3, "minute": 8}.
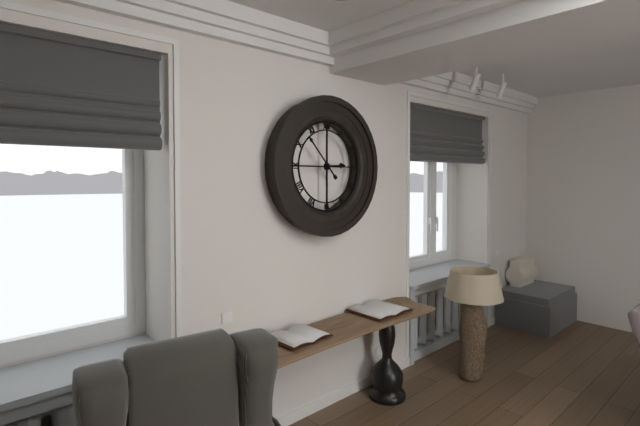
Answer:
{"hour": 2, "minute": 53}
